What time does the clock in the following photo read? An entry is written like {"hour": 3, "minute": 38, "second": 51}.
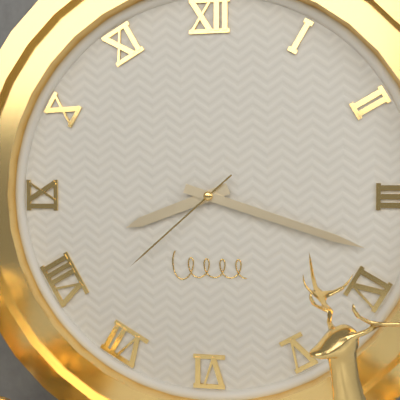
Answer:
{"hour": 8, "minute": 18, "second": 38}
